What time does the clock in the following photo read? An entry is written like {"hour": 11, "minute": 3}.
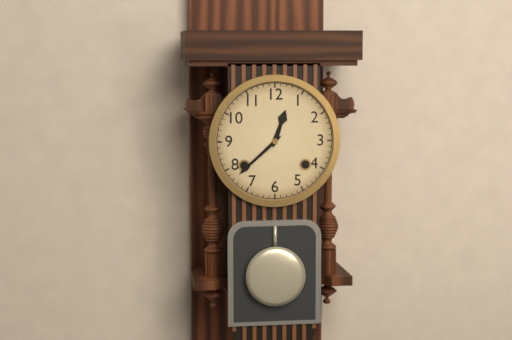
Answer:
{"hour": 12, "minute": 38}
